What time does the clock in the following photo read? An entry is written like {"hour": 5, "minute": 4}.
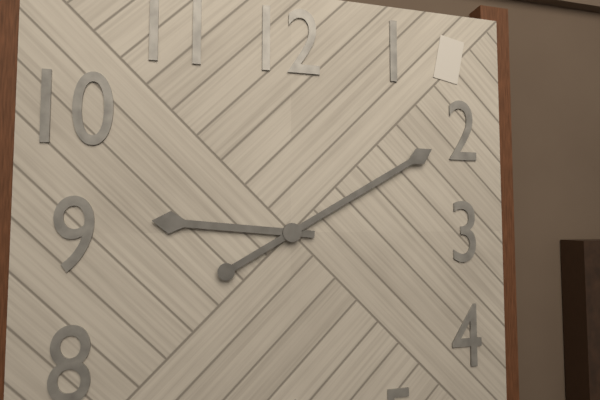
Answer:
{"hour": 9, "minute": 10}
